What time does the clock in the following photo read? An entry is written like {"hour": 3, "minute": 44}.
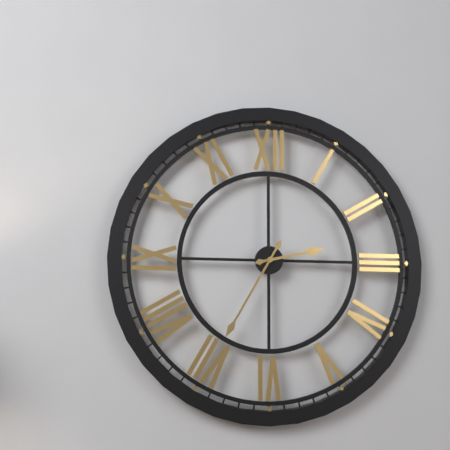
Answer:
{"hour": 2, "minute": 35}
